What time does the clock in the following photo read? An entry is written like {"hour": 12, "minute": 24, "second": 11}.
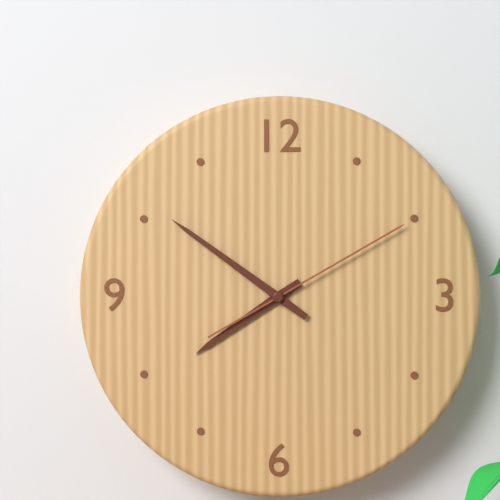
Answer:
{"hour": 7, "minute": 51, "second": 10}
